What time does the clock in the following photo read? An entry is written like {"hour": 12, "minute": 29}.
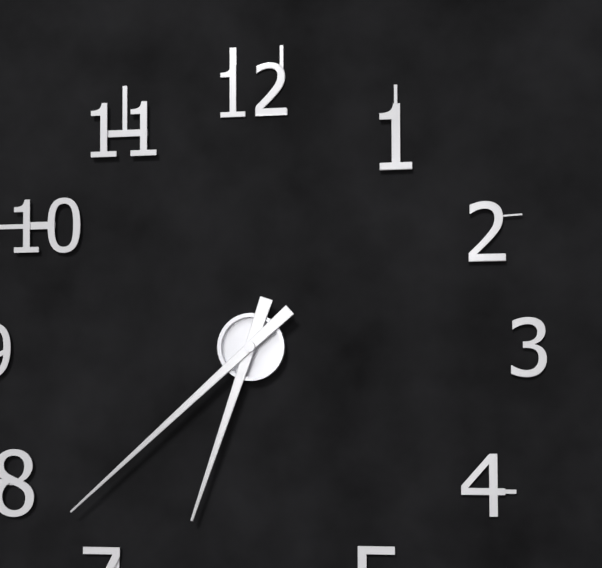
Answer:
{"hour": 6, "minute": 38}
